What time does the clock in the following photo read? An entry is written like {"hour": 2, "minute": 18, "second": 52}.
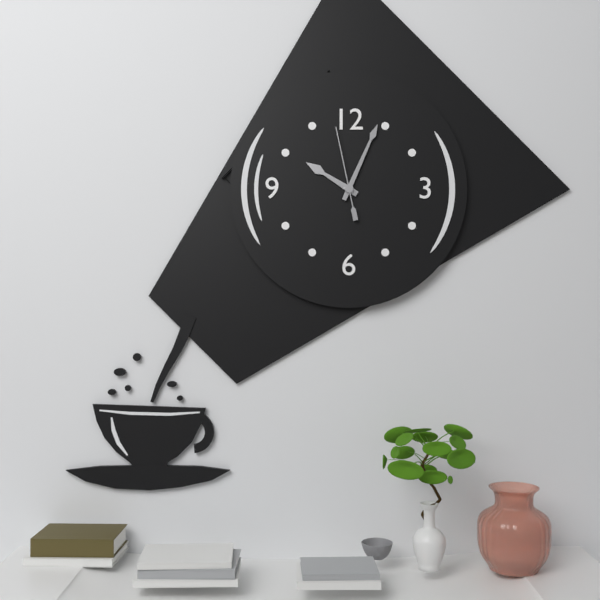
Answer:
{"hour": 10, "minute": 4, "second": 58}
